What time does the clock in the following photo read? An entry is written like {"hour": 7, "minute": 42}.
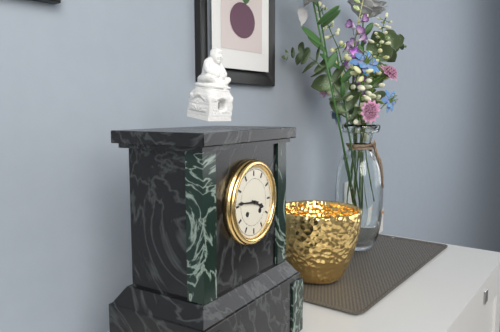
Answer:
{"hour": 3, "minute": 46}
